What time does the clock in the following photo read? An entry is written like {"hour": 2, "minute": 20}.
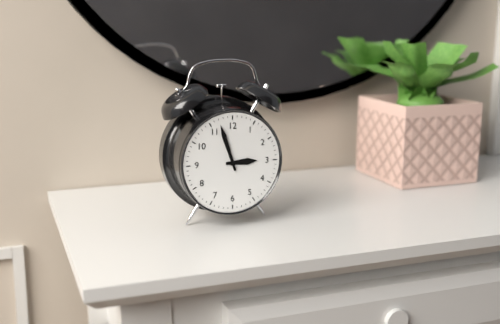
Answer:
{"hour": 2, "minute": 57}
